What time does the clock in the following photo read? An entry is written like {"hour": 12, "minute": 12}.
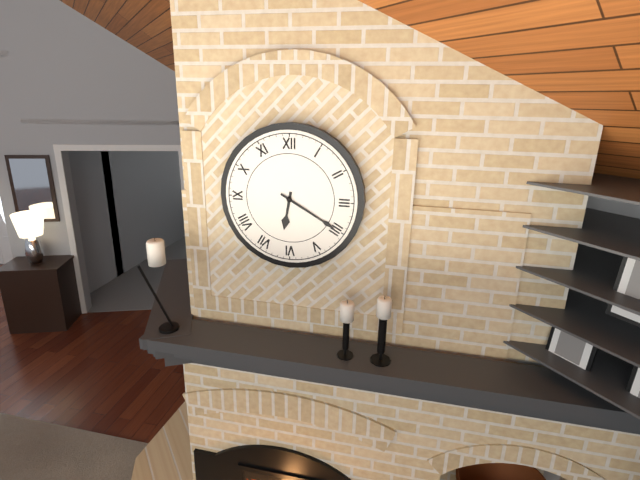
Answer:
{"hour": 6, "minute": 20}
